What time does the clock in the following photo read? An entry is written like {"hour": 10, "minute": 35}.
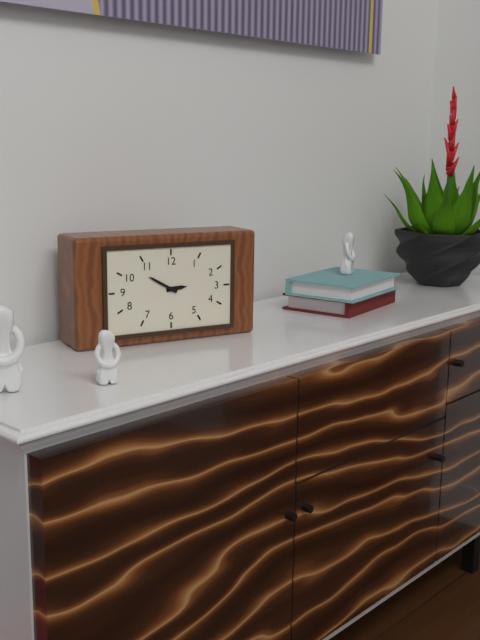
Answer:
{"hour": 2, "minute": 50}
